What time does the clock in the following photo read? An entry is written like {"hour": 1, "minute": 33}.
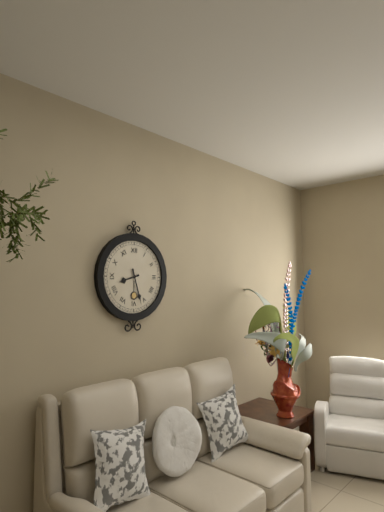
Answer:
{"hour": 8, "minute": 27}
